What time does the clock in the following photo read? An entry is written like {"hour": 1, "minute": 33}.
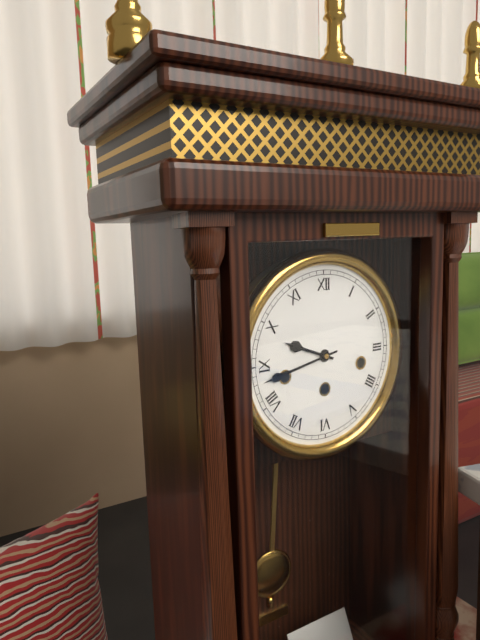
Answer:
{"hour": 9, "minute": 43}
